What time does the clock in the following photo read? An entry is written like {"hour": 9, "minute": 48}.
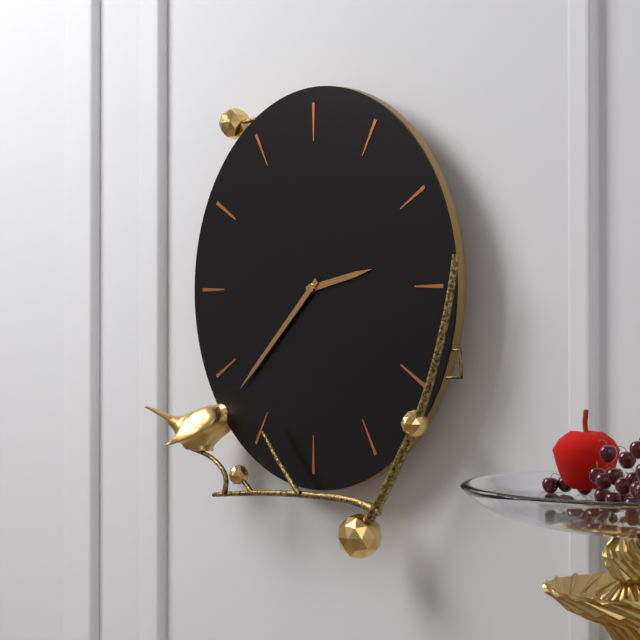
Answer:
{"hour": 2, "minute": 38}
